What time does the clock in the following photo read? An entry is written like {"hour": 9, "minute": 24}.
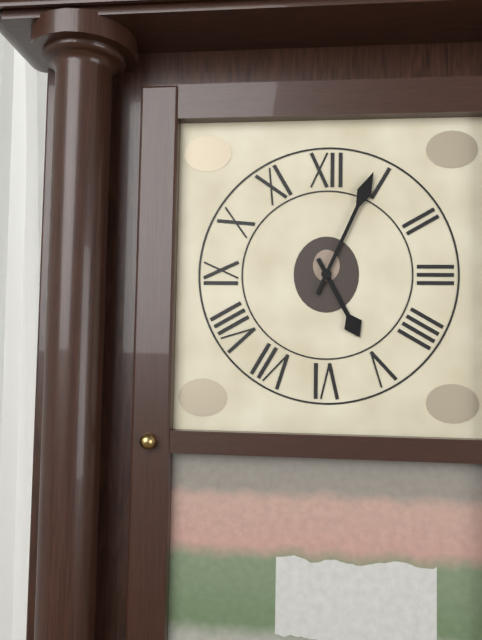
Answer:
{"hour": 5, "minute": 4}
